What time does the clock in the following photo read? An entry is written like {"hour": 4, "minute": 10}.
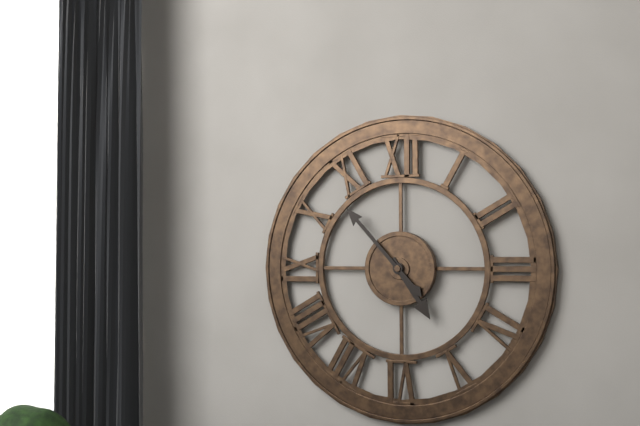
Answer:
{"hour": 4, "minute": 53}
